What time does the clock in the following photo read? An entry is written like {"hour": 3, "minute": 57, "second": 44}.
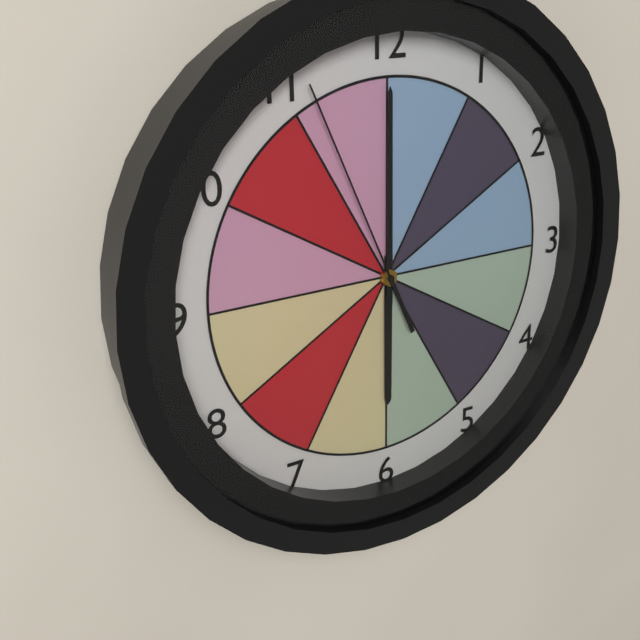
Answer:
{"hour": 6, "minute": 0, "second": 56}
